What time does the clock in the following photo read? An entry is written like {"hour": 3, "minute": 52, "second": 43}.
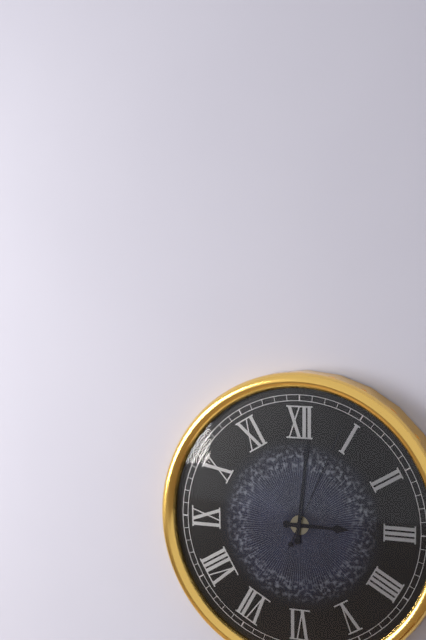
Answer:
{"hour": 3, "minute": 1, "second": 4}
